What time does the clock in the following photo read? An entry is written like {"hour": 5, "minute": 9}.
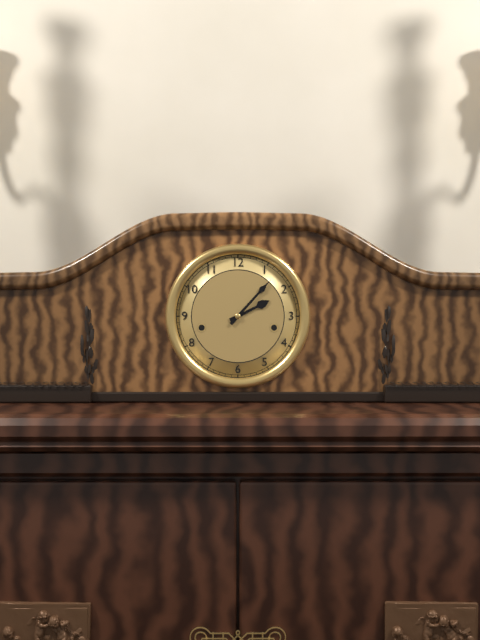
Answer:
{"hour": 2, "minute": 7}
